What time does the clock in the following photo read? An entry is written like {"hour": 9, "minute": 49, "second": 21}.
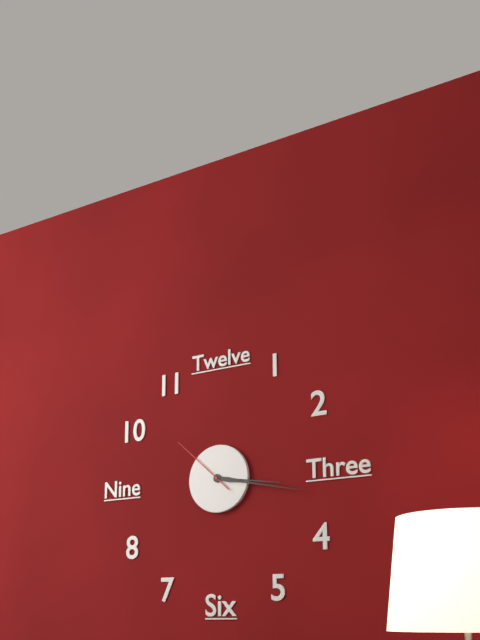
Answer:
{"hour": 3, "minute": 17, "second": 52}
